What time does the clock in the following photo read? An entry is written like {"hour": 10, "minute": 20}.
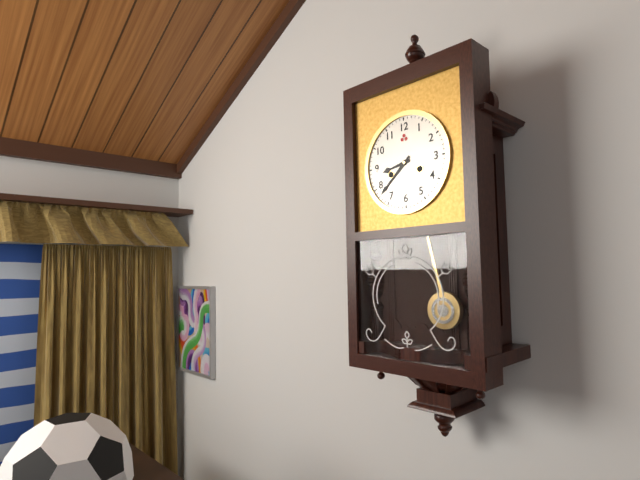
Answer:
{"hour": 8, "minute": 38}
